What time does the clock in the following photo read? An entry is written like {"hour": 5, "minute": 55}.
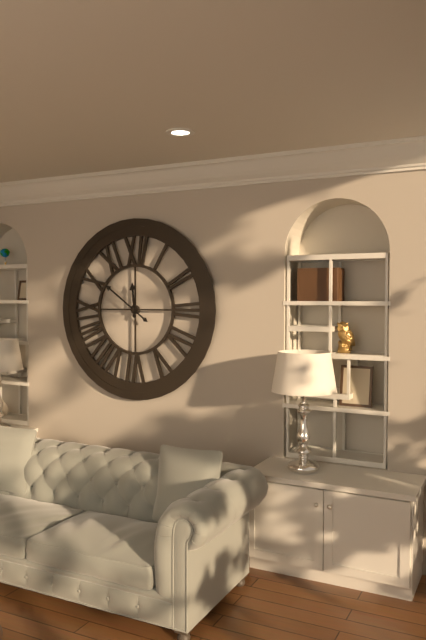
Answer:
{"hour": 11, "minute": 51}
